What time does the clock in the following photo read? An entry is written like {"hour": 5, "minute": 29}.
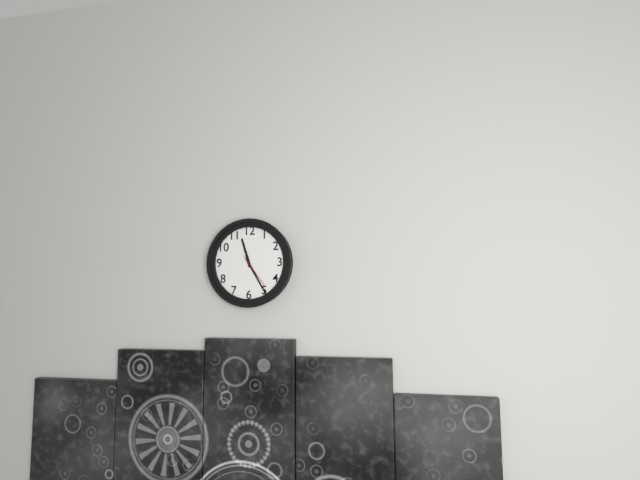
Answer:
{"hour": 11, "minute": 25}
